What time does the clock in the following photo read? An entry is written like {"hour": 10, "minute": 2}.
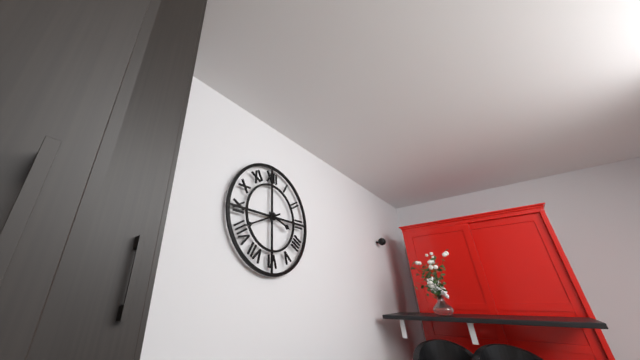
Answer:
{"hour": 3, "minute": 41}
